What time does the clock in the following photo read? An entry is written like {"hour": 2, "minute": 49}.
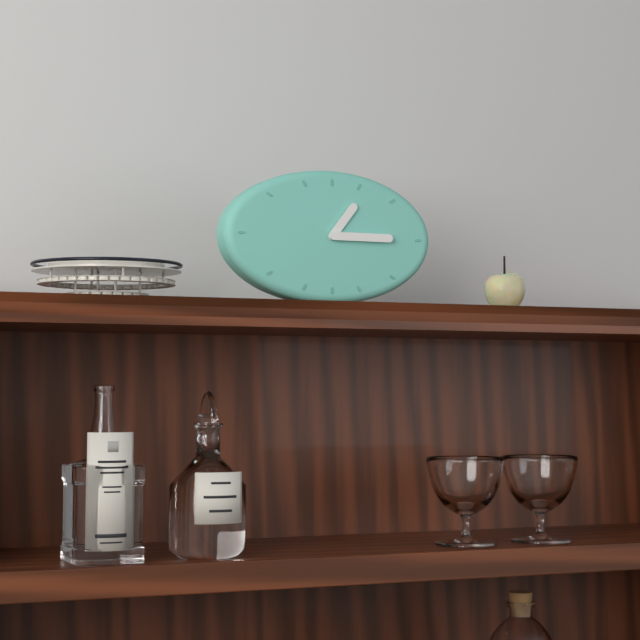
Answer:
{"hour": 1, "minute": 15}
